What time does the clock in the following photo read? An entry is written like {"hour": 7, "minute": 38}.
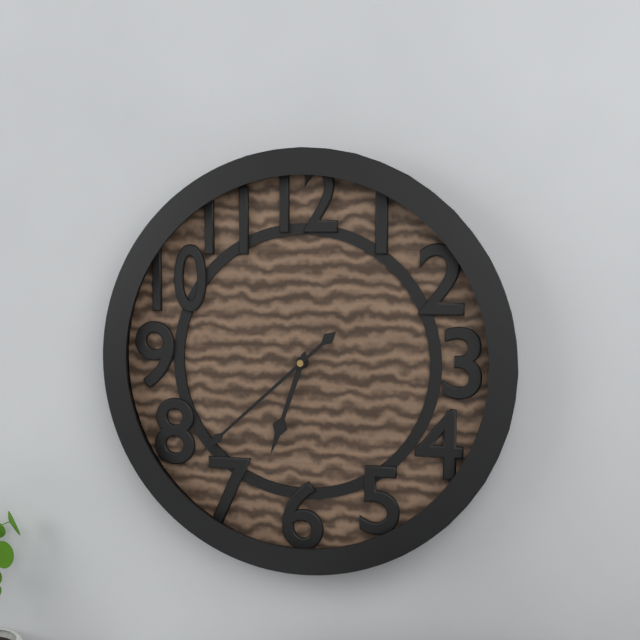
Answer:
{"hour": 6, "minute": 38}
